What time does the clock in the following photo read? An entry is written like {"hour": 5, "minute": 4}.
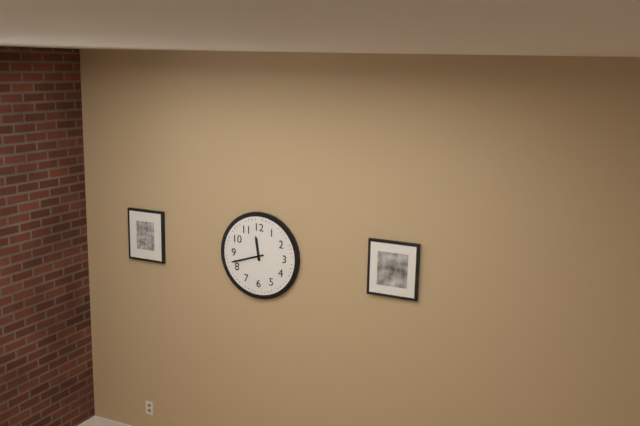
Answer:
{"hour": 11, "minute": 42}
